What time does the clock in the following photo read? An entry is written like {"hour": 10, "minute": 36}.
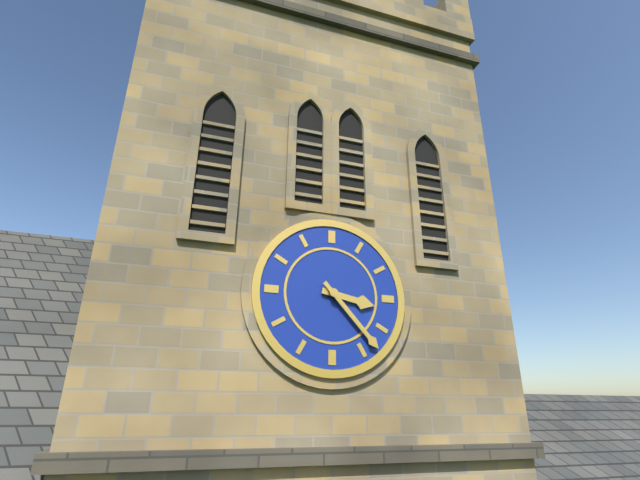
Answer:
{"hour": 3, "minute": 23}
